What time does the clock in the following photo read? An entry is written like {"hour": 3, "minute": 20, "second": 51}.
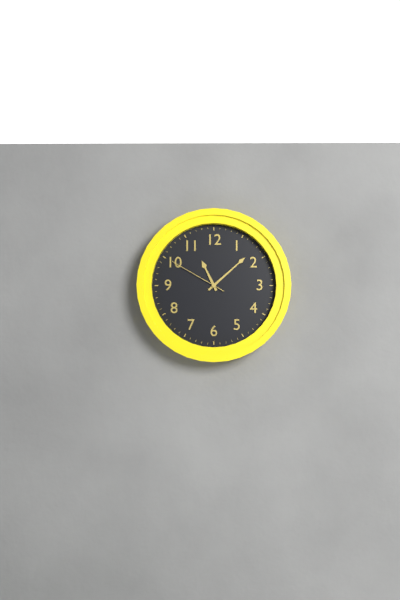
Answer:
{"hour": 11, "minute": 8, "second": 50}
